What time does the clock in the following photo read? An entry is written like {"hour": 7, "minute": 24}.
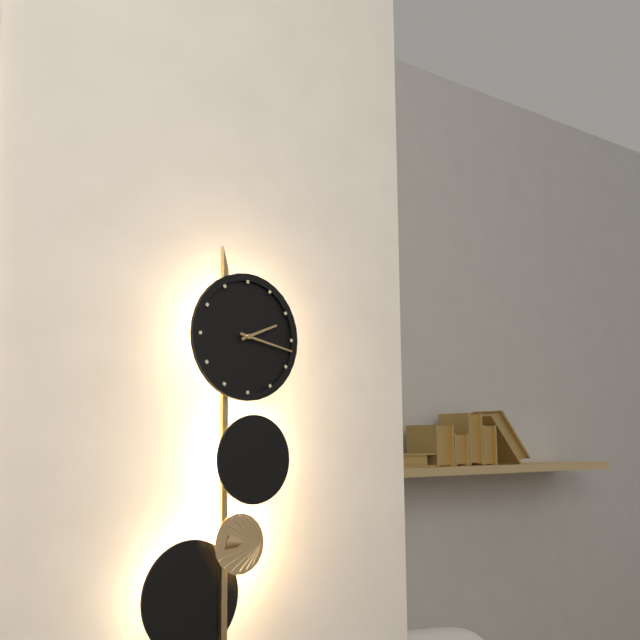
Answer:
{"hour": 2, "minute": 17}
